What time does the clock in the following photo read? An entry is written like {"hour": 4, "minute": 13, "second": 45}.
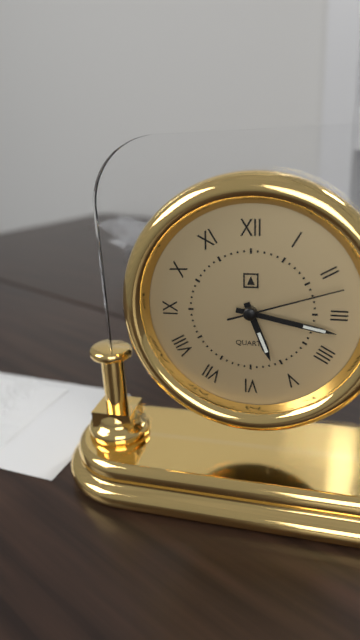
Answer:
{"hour": 5, "minute": 17, "second": 12}
